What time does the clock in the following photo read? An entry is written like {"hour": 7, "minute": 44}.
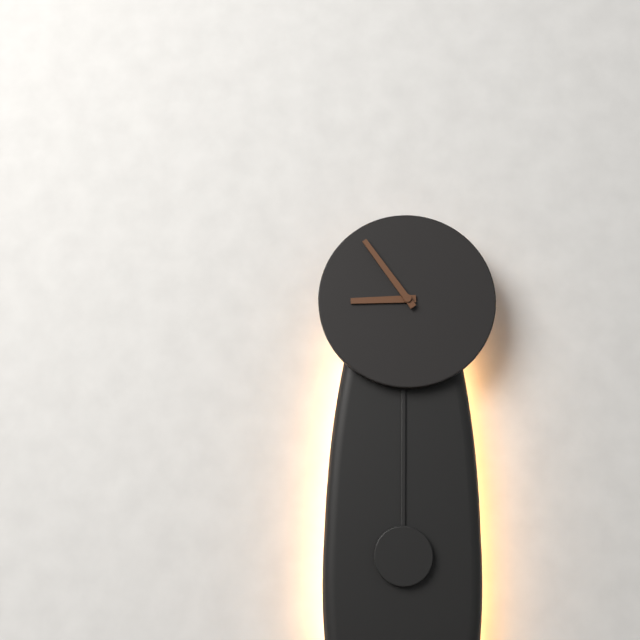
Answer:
{"hour": 8, "minute": 54}
